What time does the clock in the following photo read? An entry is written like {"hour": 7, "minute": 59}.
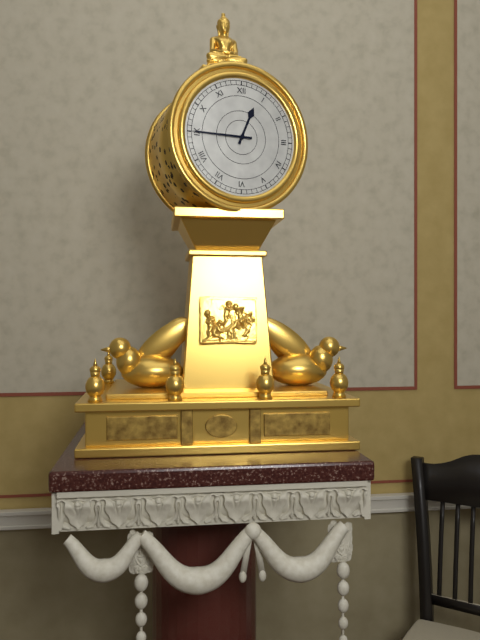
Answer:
{"hour": 12, "minute": 45}
